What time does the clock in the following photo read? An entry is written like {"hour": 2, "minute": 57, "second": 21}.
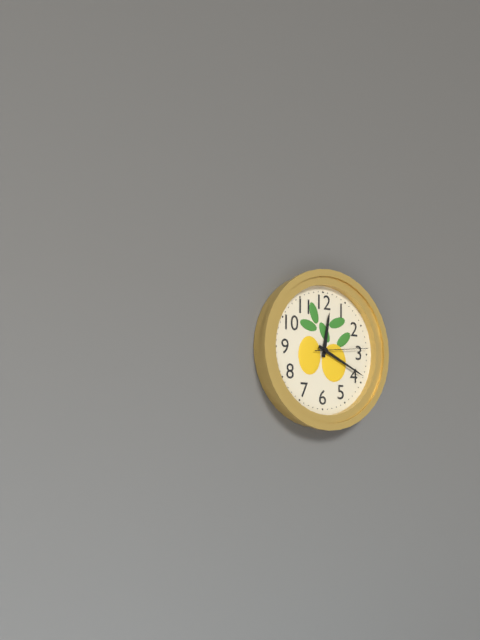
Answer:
{"hour": 12, "minute": 19, "second": 14}
